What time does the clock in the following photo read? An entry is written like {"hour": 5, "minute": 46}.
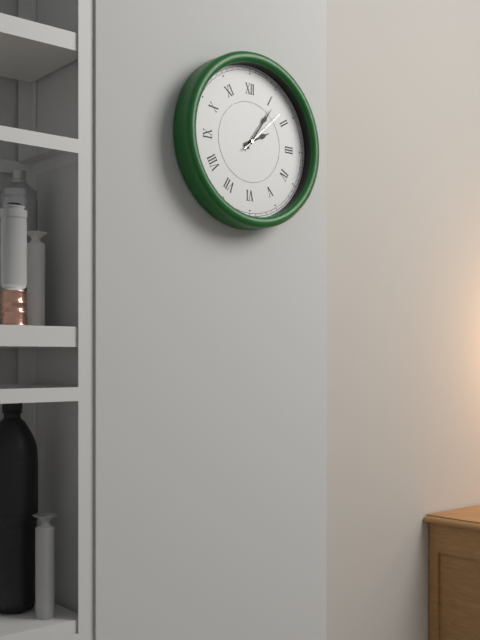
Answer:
{"hour": 2, "minute": 6}
